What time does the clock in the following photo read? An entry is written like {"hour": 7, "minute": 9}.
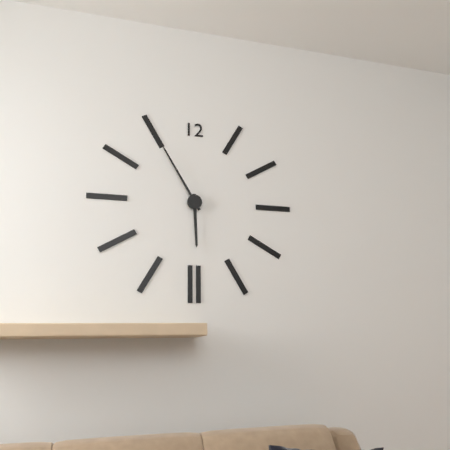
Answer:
{"hour": 5, "minute": 55}
